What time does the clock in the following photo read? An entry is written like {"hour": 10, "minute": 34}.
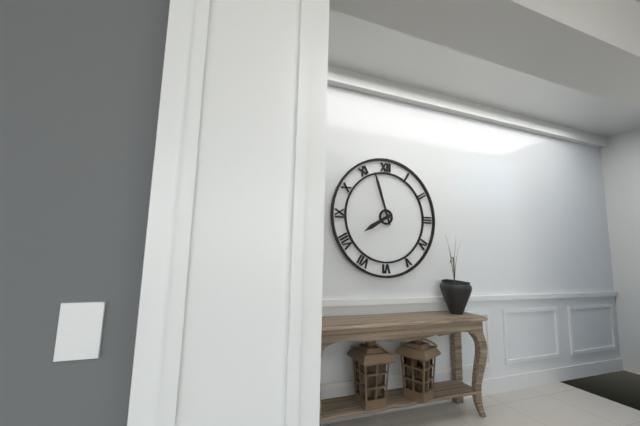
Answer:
{"hour": 7, "minute": 57}
